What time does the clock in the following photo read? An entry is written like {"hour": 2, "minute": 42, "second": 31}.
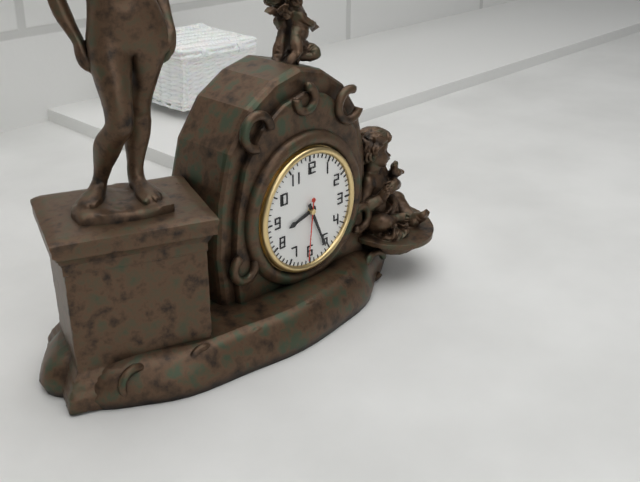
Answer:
{"hour": 8, "minute": 26, "second": 31}
